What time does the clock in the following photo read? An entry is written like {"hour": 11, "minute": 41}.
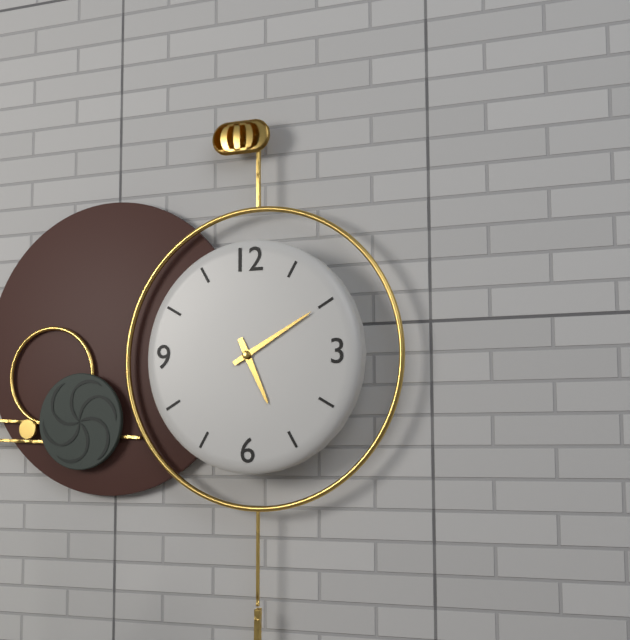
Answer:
{"hour": 5, "minute": 10}
